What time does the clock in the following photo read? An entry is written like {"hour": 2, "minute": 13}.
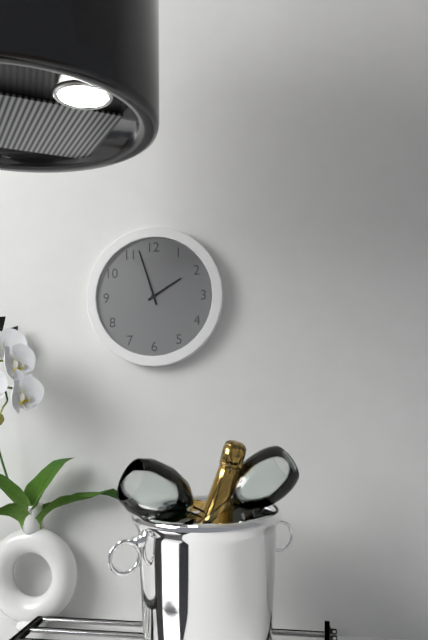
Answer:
{"hour": 1, "minute": 57}
